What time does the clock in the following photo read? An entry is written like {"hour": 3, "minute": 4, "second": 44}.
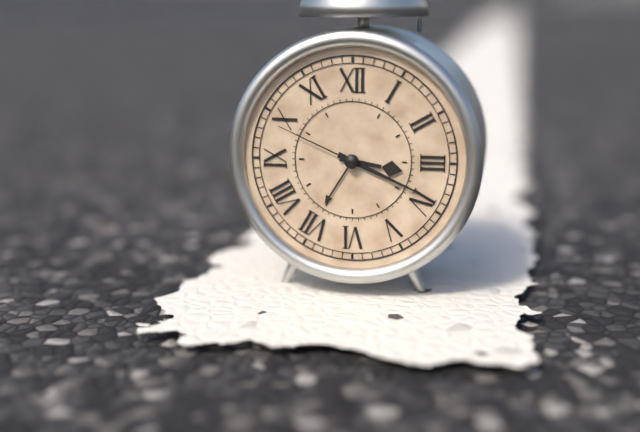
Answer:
{"hour": 3, "minute": 19, "second": 49}
